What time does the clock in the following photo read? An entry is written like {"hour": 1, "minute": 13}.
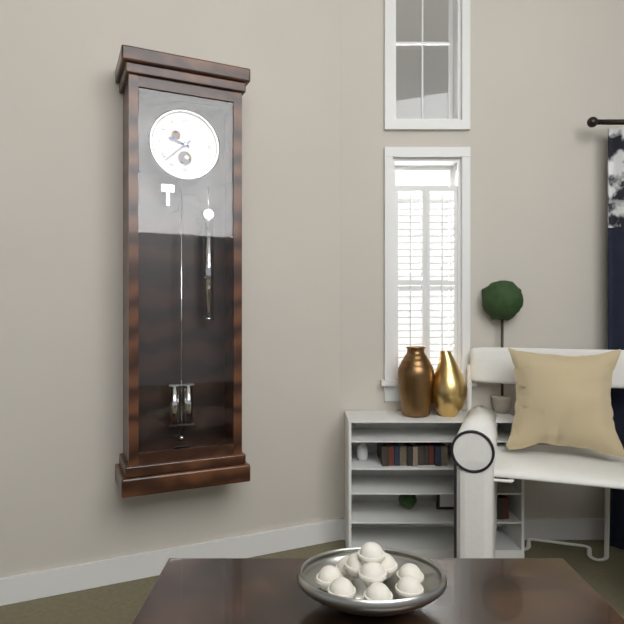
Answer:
{"hour": 9, "minute": 38}
